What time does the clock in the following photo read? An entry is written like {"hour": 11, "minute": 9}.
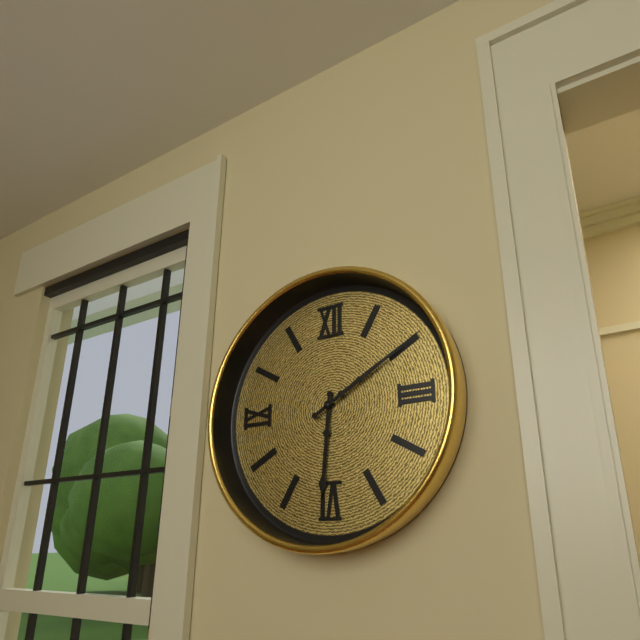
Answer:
{"hour": 6, "minute": 10}
